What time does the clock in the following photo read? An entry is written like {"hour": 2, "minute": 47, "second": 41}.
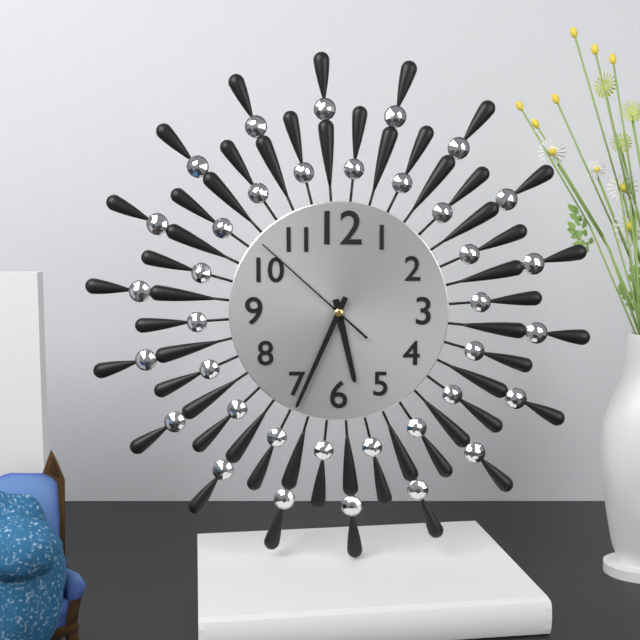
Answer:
{"hour": 5, "minute": 34, "second": 52}
